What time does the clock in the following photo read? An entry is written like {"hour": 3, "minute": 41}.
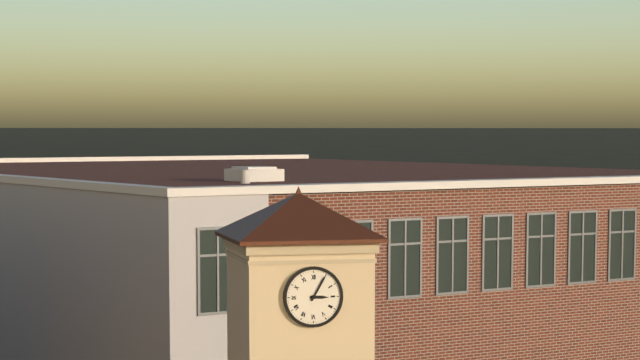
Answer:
{"hour": 3, "minute": 5}
